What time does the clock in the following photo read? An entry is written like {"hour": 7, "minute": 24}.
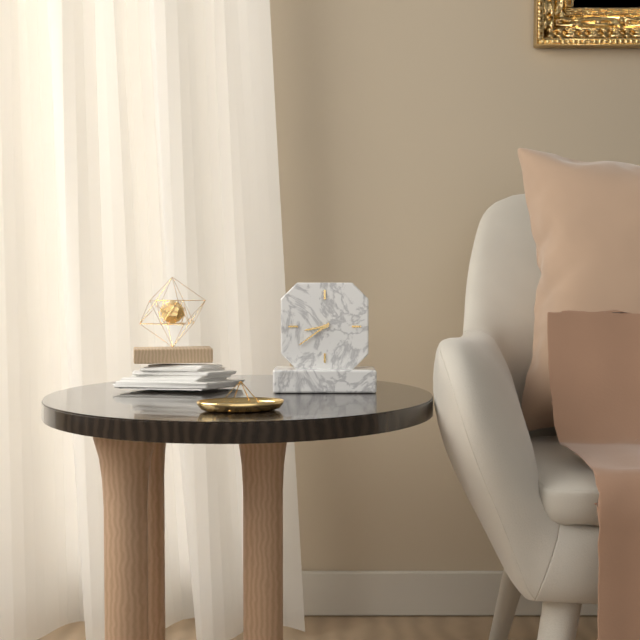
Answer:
{"hour": 8, "minute": 39}
